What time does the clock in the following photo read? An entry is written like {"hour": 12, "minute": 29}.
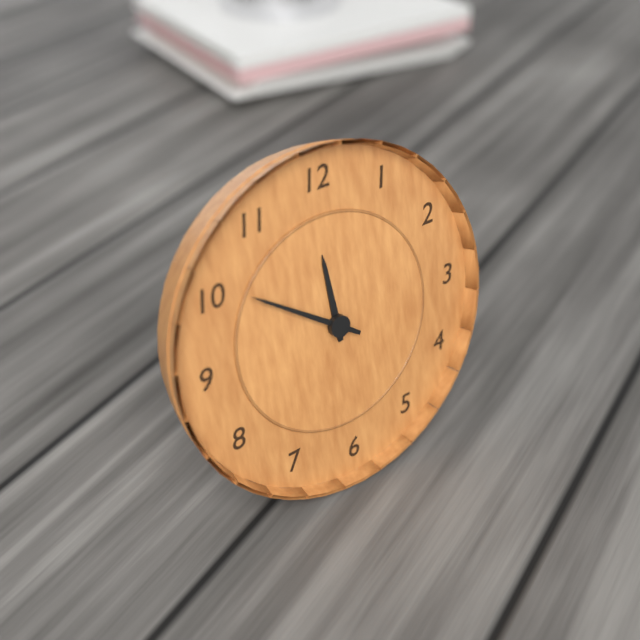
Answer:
{"hour": 11, "minute": 51}
